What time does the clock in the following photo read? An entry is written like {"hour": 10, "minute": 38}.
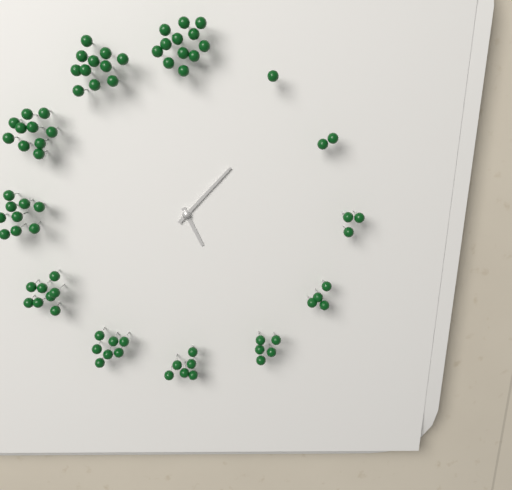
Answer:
{"hour": 5, "minute": 7}
